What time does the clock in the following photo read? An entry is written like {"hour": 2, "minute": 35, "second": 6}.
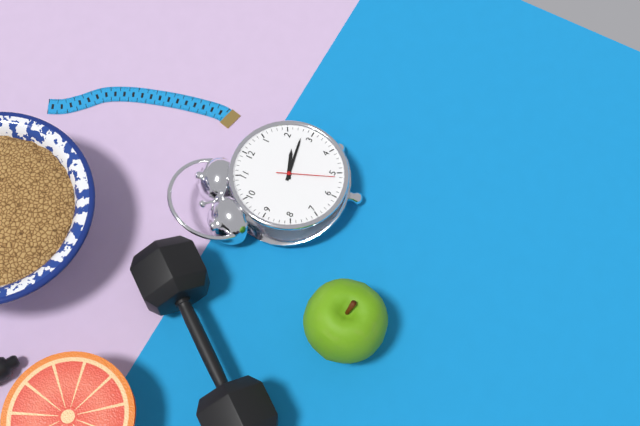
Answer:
{"hour": 2, "minute": 13, "second": 26}
